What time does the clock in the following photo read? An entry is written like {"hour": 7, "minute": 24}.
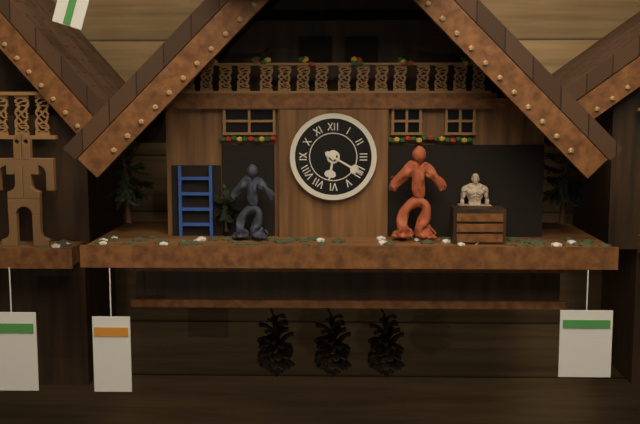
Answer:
{"hour": 6, "minute": 20}
